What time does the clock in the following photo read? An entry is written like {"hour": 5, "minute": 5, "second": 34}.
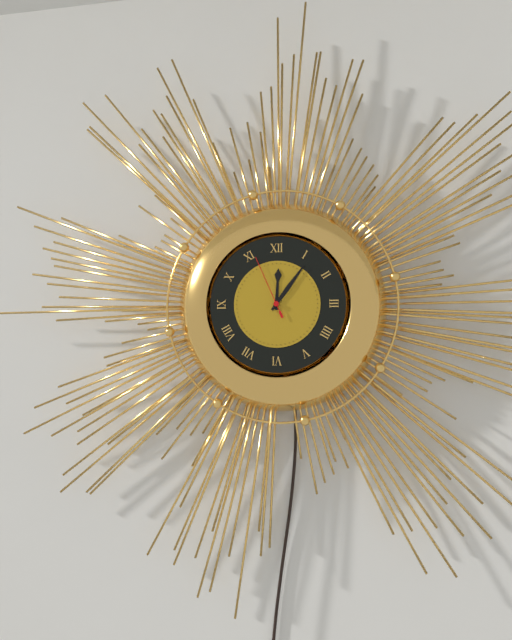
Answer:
{"hour": 12, "minute": 6, "second": 56}
